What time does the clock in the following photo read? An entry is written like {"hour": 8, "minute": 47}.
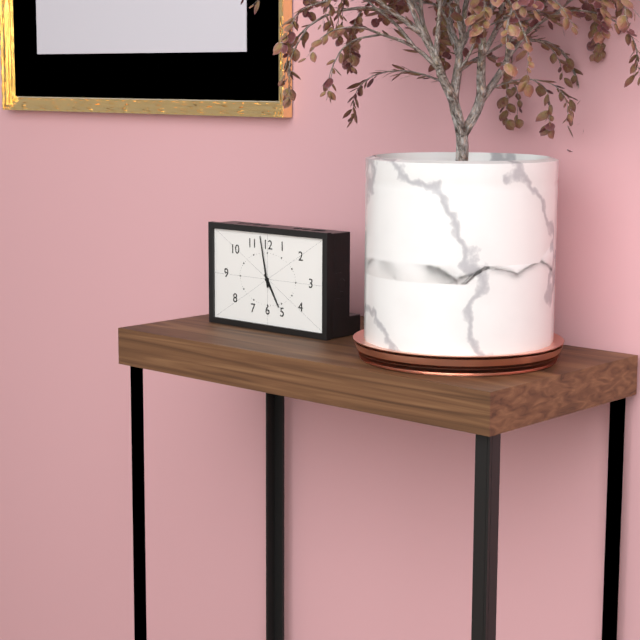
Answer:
{"hour": 4, "minute": 58}
